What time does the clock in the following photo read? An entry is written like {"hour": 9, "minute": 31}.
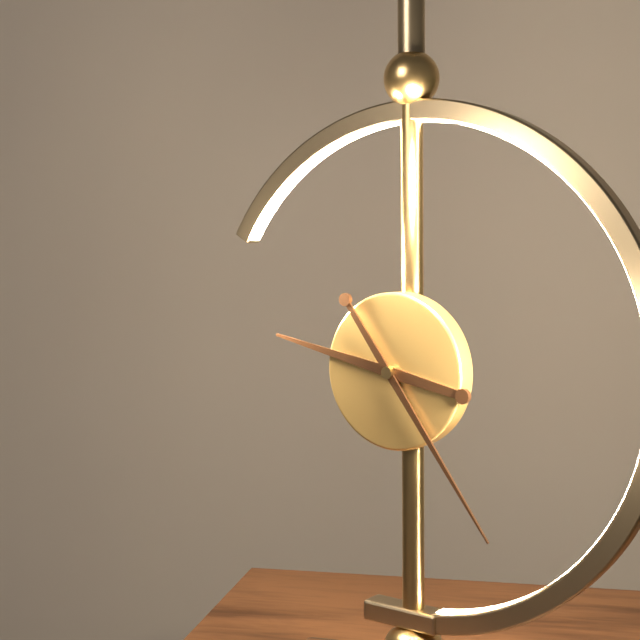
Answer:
{"hour": 9, "minute": 24}
